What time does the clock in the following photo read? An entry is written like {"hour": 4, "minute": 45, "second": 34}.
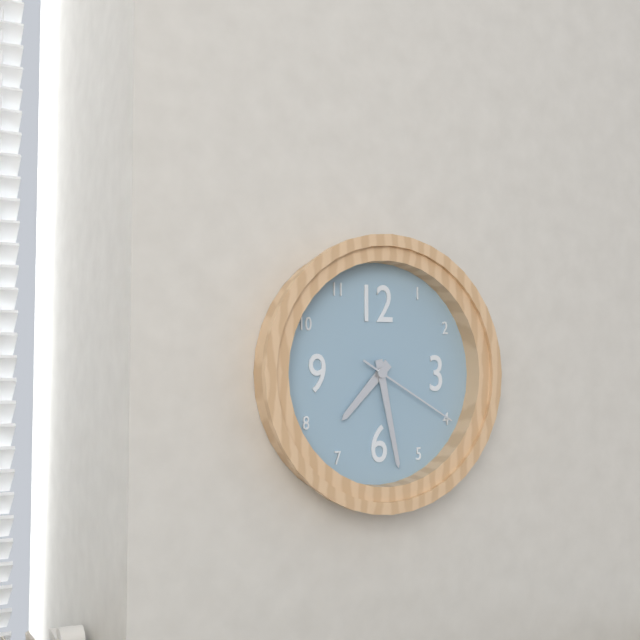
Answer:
{"hour": 7, "minute": 28, "second": 20}
